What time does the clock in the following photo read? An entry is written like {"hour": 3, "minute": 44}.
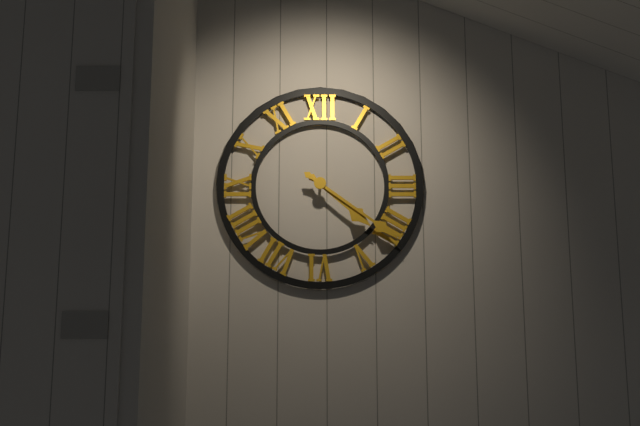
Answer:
{"hour": 4, "minute": 21}
